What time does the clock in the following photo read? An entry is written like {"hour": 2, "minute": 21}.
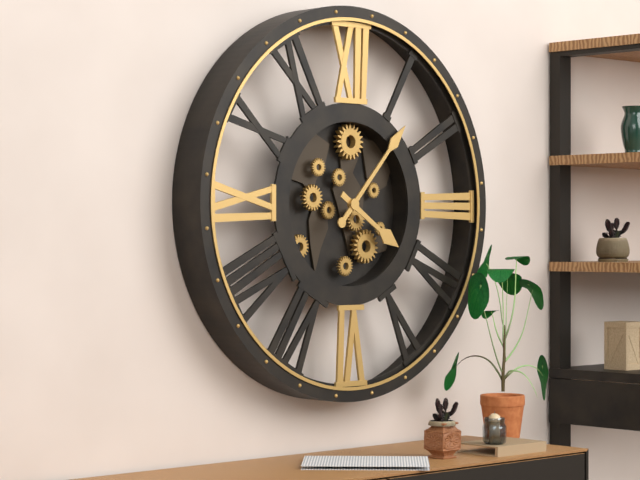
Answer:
{"hour": 4, "minute": 7}
